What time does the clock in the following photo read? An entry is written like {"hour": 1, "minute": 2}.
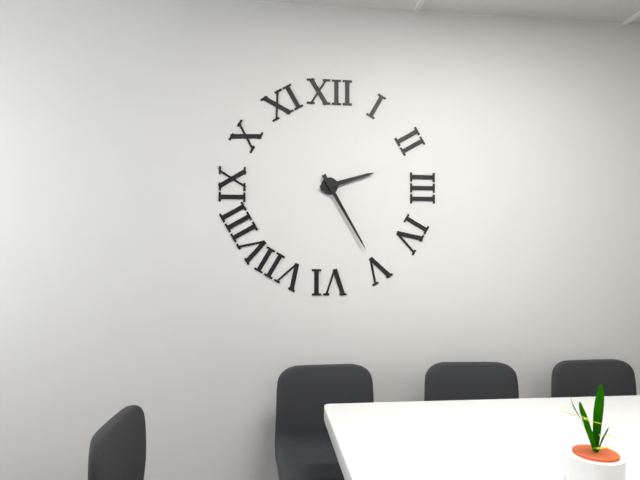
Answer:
{"hour": 2, "minute": 25}
